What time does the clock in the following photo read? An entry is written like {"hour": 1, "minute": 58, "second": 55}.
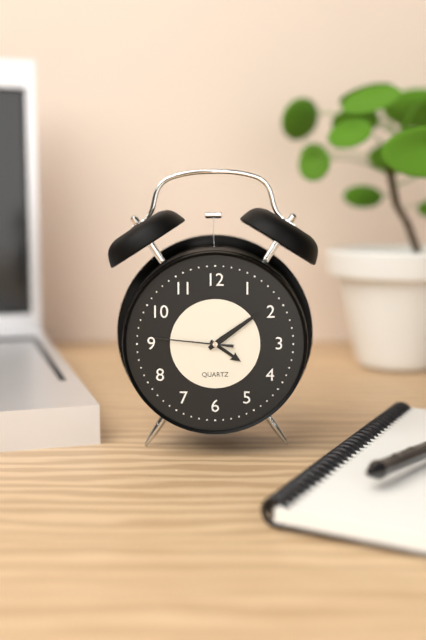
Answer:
{"hour": 4, "minute": 9, "second": 46}
